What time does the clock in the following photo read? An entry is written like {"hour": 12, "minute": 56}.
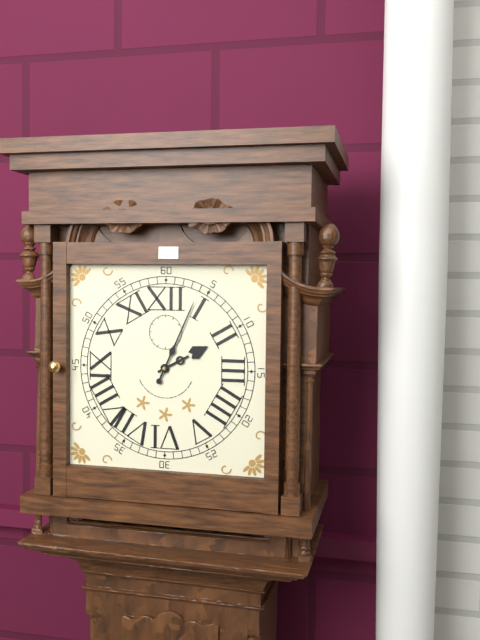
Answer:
{"hour": 2, "minute": 4}
